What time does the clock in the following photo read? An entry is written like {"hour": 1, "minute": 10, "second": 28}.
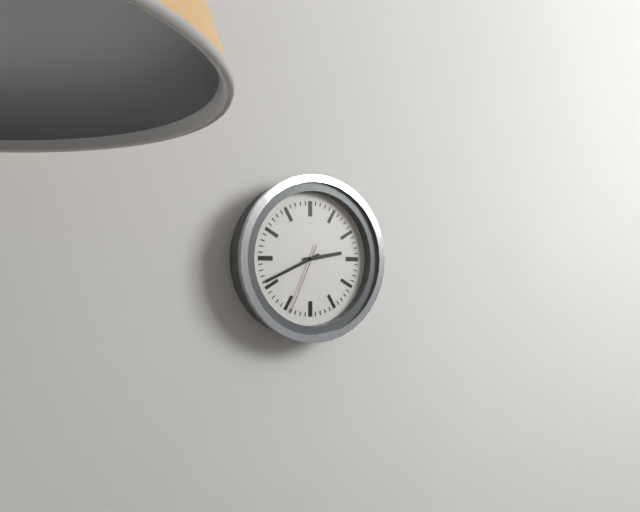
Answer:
{"hour": 2, "minute": 41, "second": 34}
